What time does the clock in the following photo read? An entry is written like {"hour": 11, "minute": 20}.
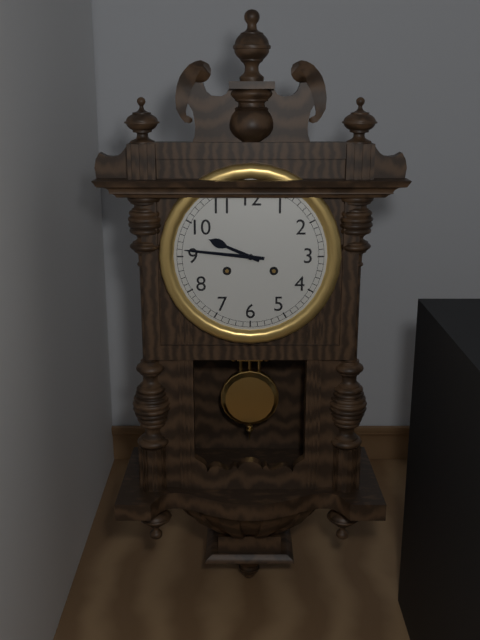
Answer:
{"hour": 9, "minute": 46}
